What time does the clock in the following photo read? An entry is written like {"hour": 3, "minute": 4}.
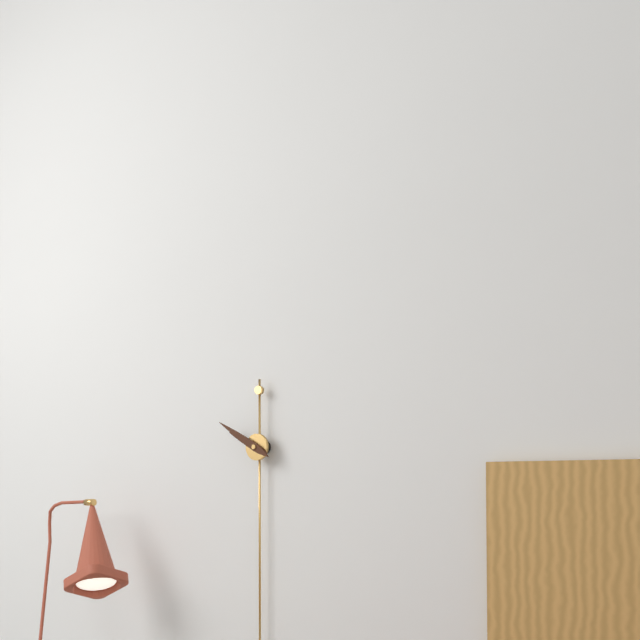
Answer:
{"hour": 9, "minute": 50}
